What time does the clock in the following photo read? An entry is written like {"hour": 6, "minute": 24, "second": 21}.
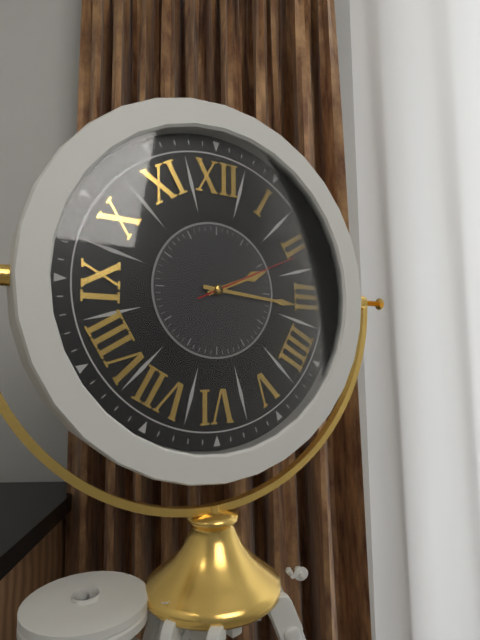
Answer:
{"hour": 2, "minute": 16, "second": 11}
